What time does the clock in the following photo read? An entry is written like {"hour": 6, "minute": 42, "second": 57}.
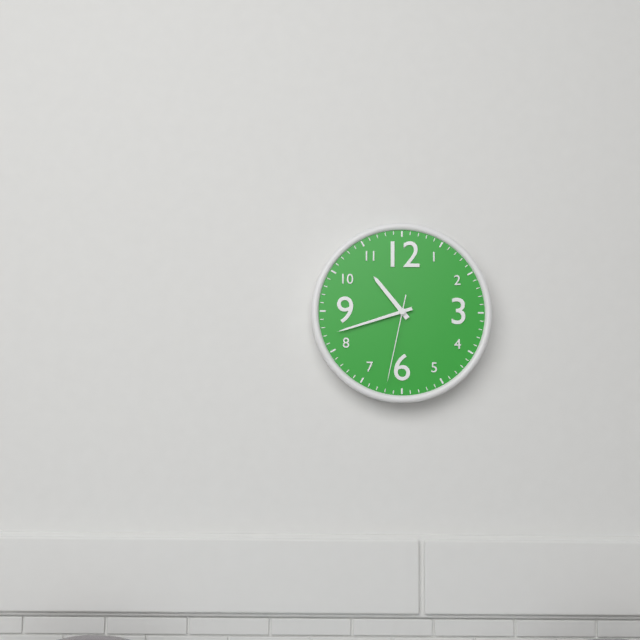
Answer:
{"hour": 10, "minute": 42, "second": 32}
